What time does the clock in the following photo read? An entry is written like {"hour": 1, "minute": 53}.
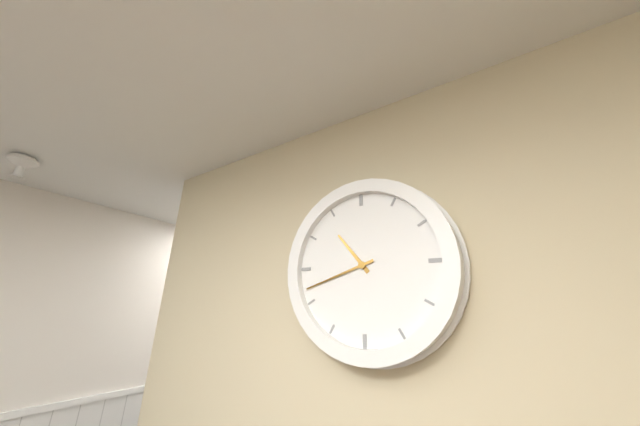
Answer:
{"hour": 10, "minute": 42}
